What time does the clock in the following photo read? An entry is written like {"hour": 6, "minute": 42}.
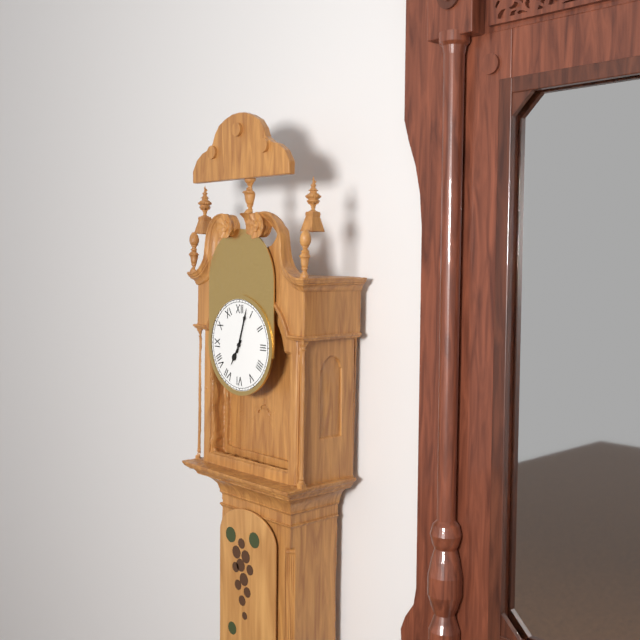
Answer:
{"hour": 7, "minute": 3}
